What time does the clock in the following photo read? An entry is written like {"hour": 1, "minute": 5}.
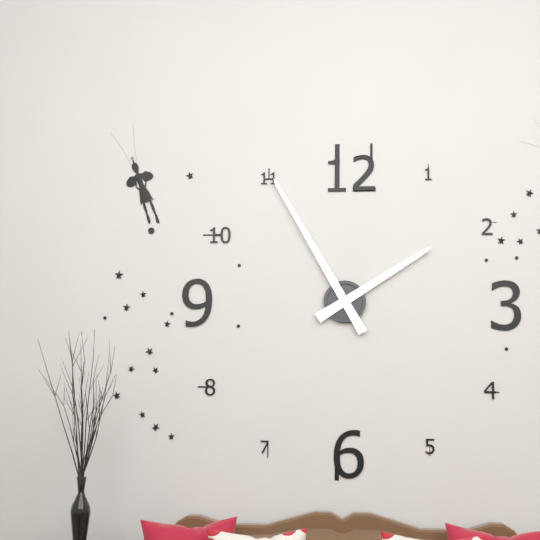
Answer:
{"hour": 1, "minute": 55}
